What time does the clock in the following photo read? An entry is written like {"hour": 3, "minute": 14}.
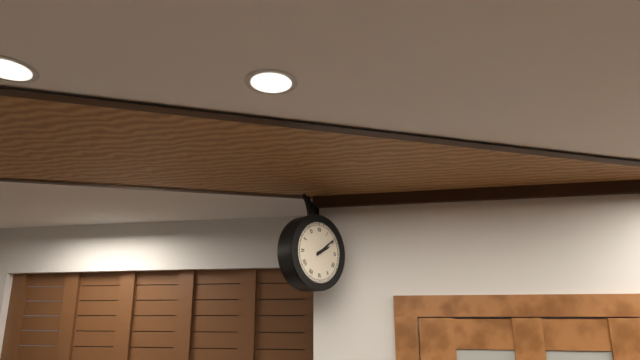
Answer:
{"hour": 2, "minute": 9}
